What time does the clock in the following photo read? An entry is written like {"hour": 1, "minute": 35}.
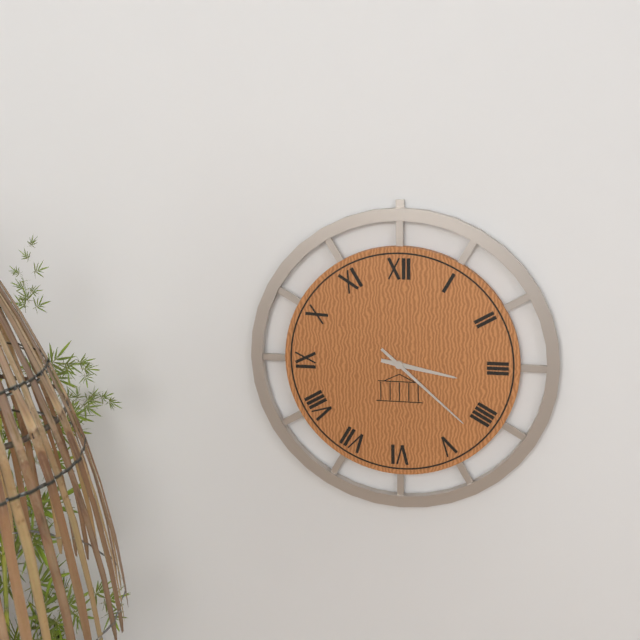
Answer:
{"hour": 3, "minute": 22}
